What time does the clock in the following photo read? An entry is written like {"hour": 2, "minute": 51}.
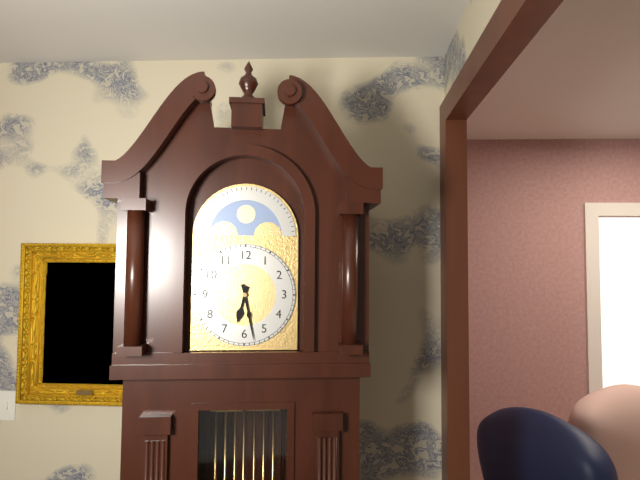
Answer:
{"hour": 6, "minute": 28}
